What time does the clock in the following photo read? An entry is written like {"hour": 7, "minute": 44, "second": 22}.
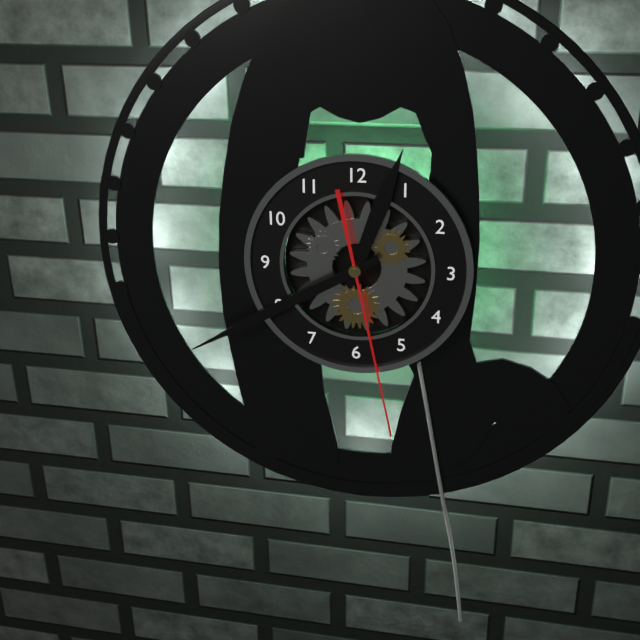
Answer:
{"hour": 12, "minute": 40, "second": 28}
